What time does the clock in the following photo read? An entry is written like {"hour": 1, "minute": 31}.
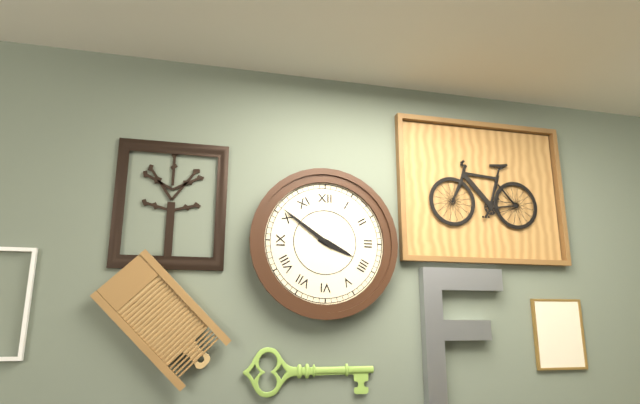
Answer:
{"hour": 3, "minute": 51}
